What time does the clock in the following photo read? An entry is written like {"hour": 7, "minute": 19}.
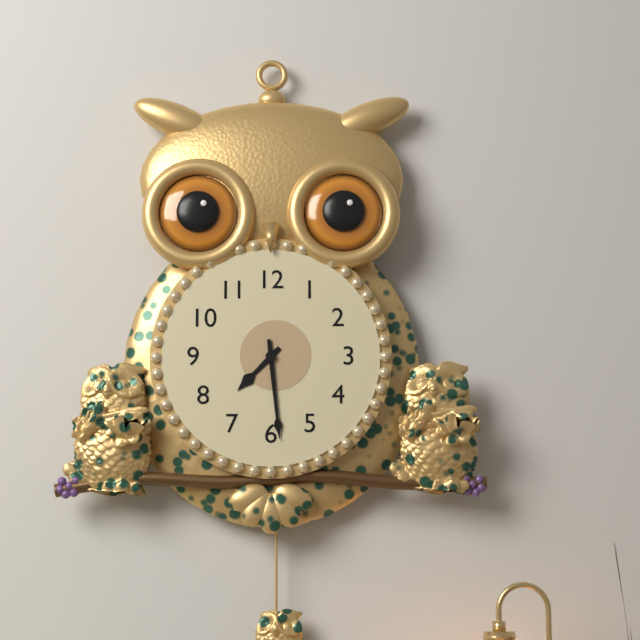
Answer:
{"hour": 7, "minute": 29}
